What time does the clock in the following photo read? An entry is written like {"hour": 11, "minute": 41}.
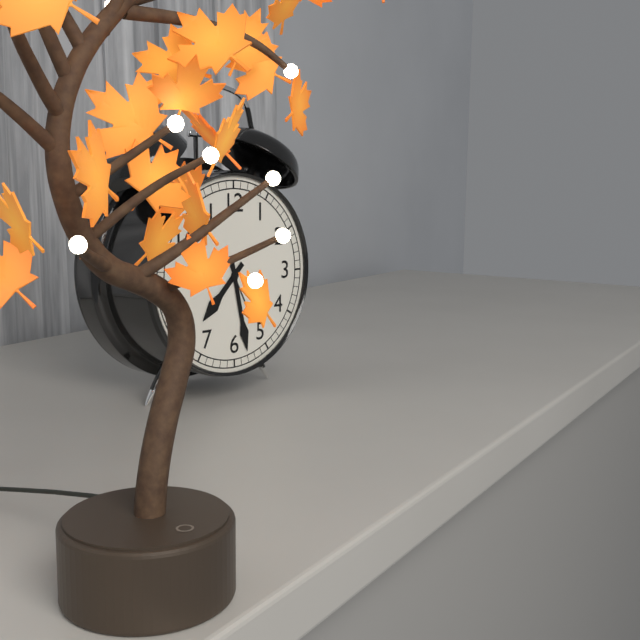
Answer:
{"hour": 7, "minute": 28}
